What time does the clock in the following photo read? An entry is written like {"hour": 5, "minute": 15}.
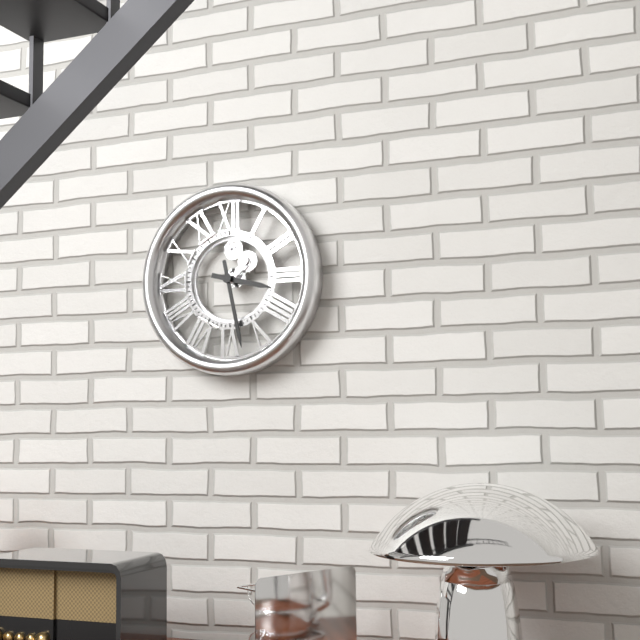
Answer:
{"hour": 3, "minute": 28}
